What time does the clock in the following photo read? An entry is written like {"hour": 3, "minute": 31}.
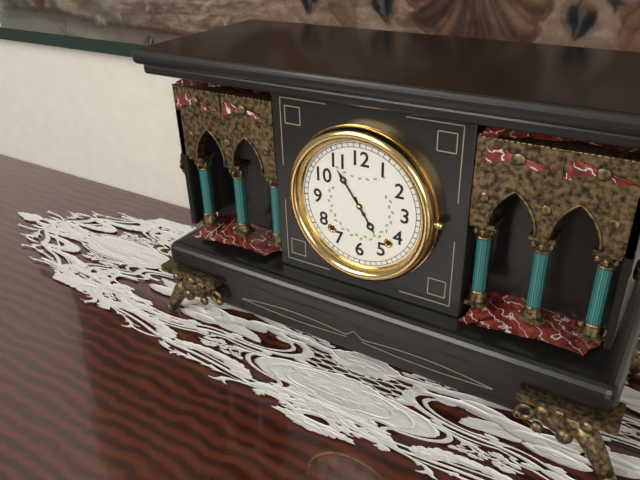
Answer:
{"hour": 4, "minute": 54}
